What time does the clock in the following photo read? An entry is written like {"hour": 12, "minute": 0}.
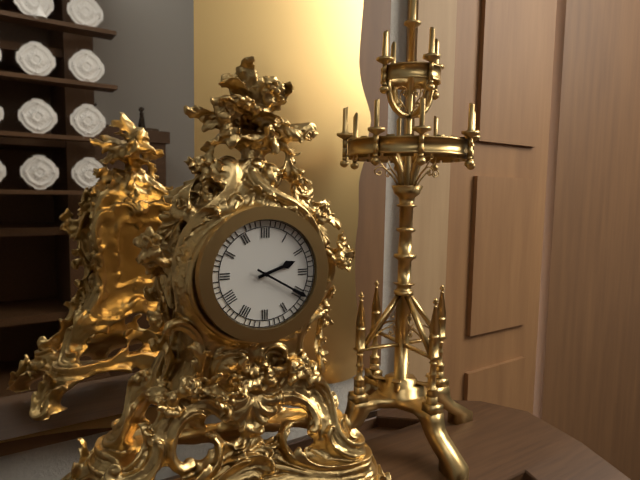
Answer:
{"hour": 2, "minute": 20}
